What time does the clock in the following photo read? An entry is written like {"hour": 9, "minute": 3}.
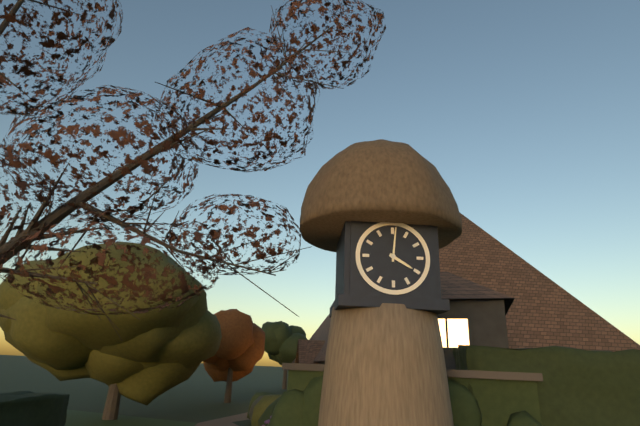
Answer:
{"hour": 4, "minute": 1}
